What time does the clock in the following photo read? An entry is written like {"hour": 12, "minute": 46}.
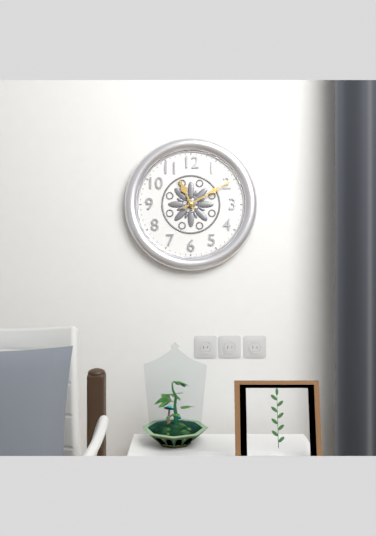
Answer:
{"hour": 11, "minute": 10}
